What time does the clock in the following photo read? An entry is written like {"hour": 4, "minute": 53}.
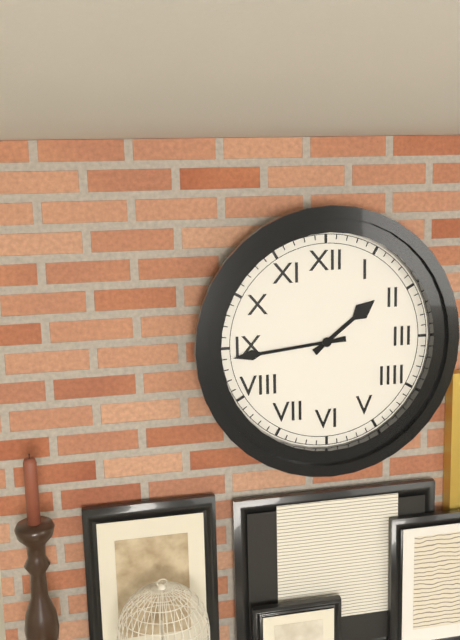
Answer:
{"hour": 1, "minute": 44}
